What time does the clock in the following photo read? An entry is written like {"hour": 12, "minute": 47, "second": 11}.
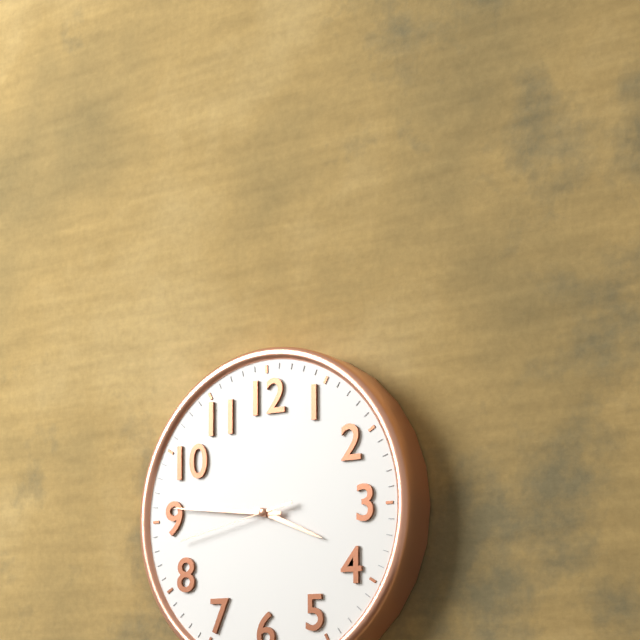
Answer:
{"hour": 3, "minute": 46, "second": 43}
